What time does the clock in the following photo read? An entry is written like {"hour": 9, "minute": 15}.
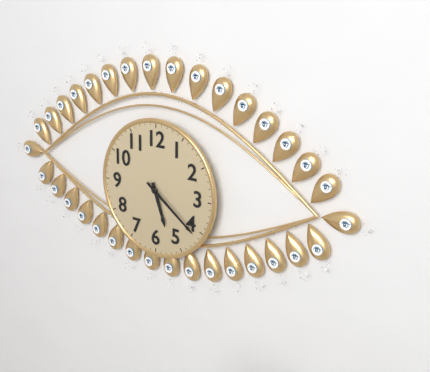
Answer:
{"hour": 5, "minute": 21}
